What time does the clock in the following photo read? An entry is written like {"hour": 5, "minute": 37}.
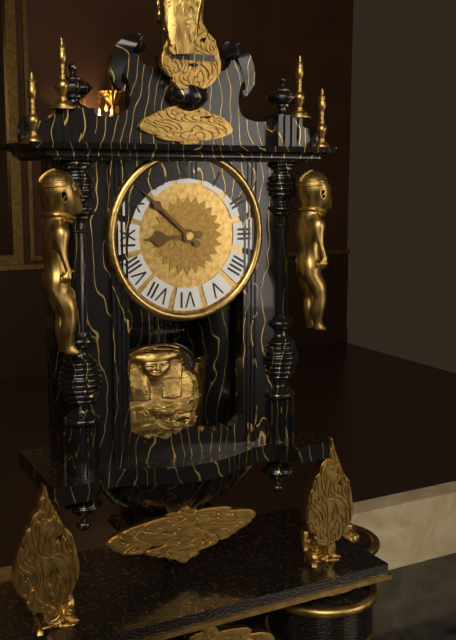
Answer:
{"hour": 8, "minute": 52}
